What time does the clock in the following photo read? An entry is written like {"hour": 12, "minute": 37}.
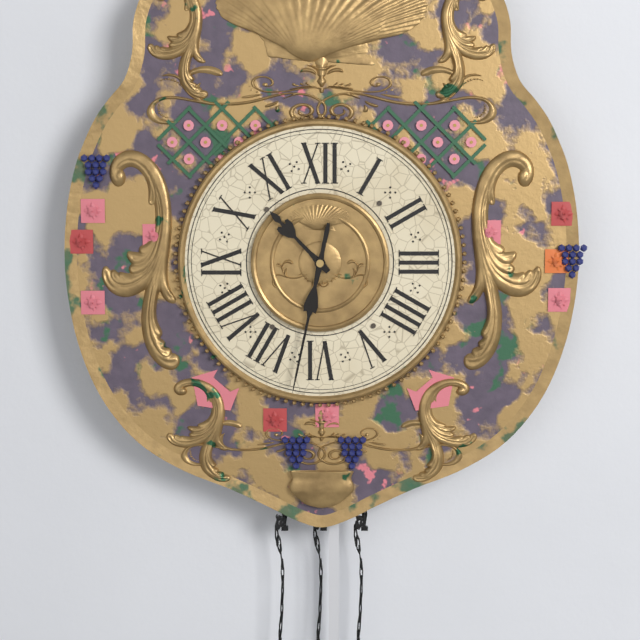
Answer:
{"hour": 10, "minute": 32}
